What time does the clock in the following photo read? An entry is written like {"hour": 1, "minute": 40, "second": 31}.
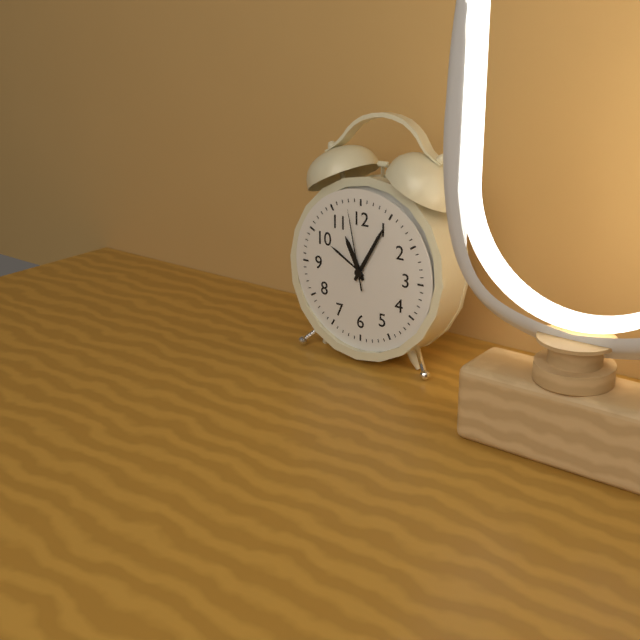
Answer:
{"hour": 11, "minute": 5, "second": 58}
